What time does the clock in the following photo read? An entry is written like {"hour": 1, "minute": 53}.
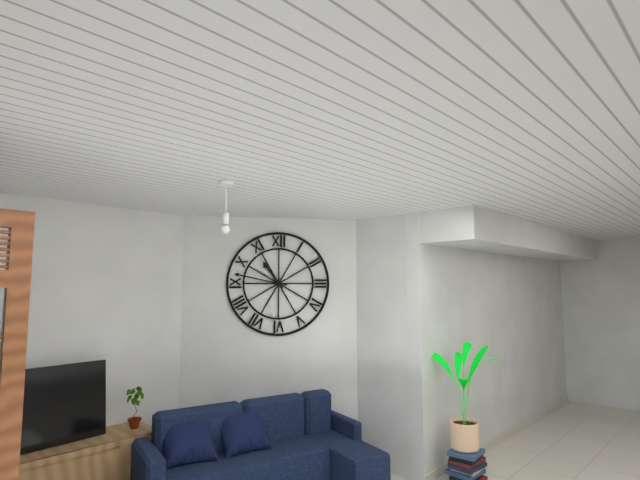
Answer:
{"hour": 10, "minute": 47}
